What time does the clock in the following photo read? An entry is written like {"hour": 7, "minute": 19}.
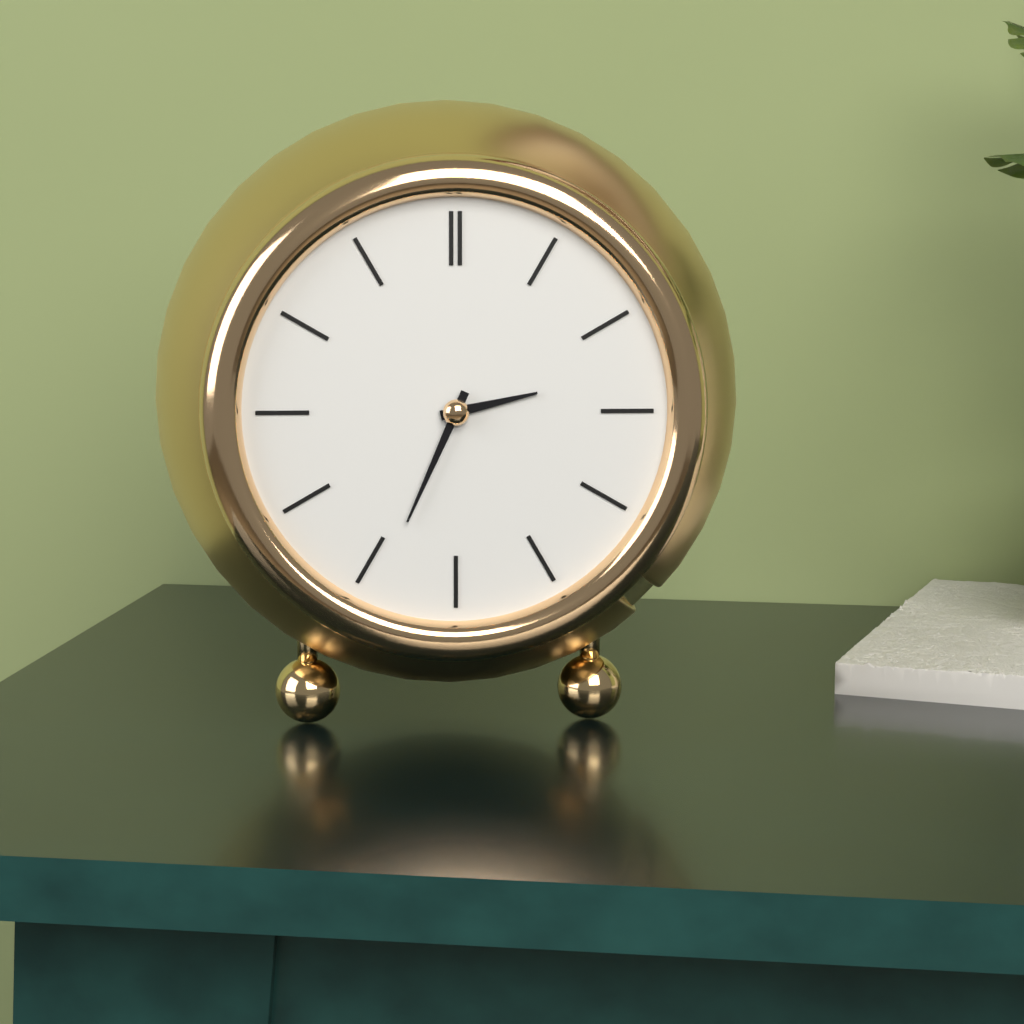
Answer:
{"hour": 2, "minute": 34}
